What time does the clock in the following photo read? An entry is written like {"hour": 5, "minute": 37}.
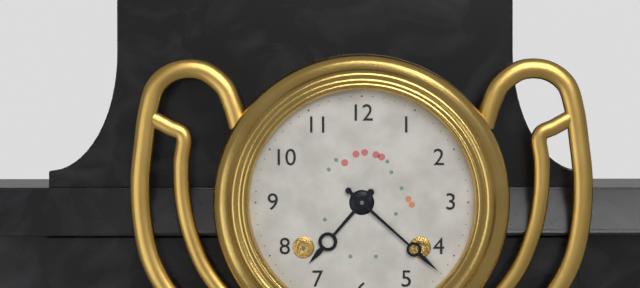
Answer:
{"hour": 7, "minute": 22}
